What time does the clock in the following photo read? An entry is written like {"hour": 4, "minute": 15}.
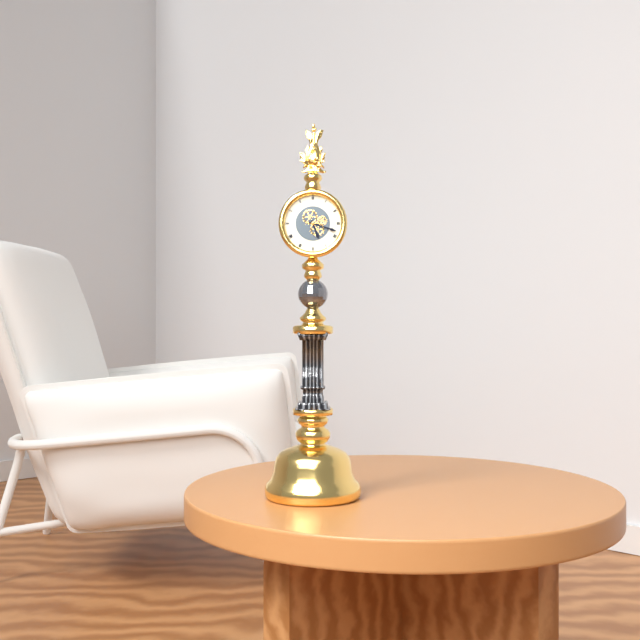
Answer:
{"hour": 5, "minute": 18}
